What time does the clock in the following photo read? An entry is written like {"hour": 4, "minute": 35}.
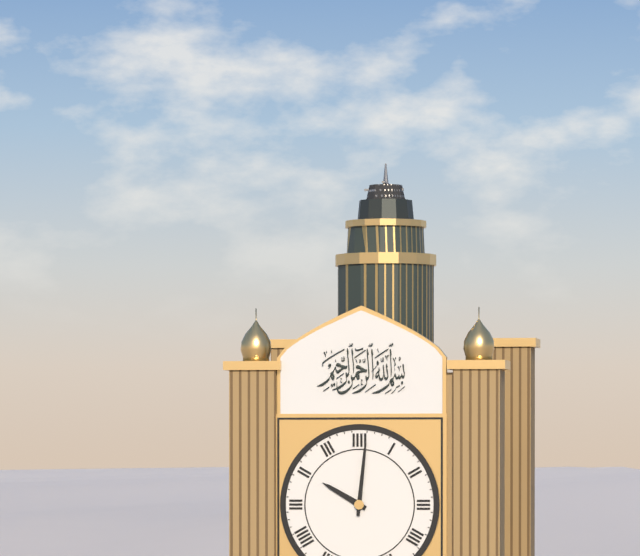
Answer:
{"hour": 10, "minute": 1}
